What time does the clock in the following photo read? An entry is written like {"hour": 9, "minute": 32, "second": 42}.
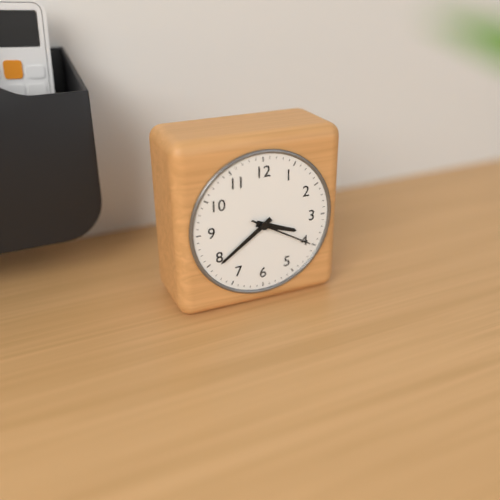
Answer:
{"hour": 3, "minute": 39, "second": 20}
